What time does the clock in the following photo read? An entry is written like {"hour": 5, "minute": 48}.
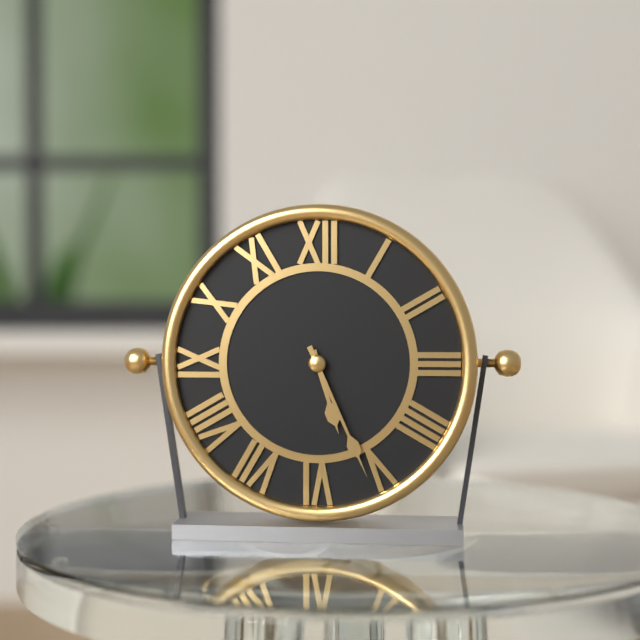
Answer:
{"hour": 5, "minute": 26}
